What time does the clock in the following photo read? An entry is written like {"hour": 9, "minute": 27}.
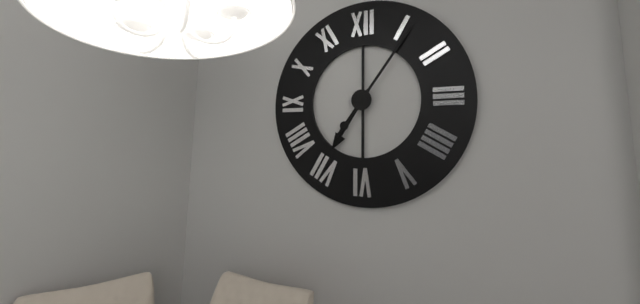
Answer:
{"hour": 7, "minute": 6}
